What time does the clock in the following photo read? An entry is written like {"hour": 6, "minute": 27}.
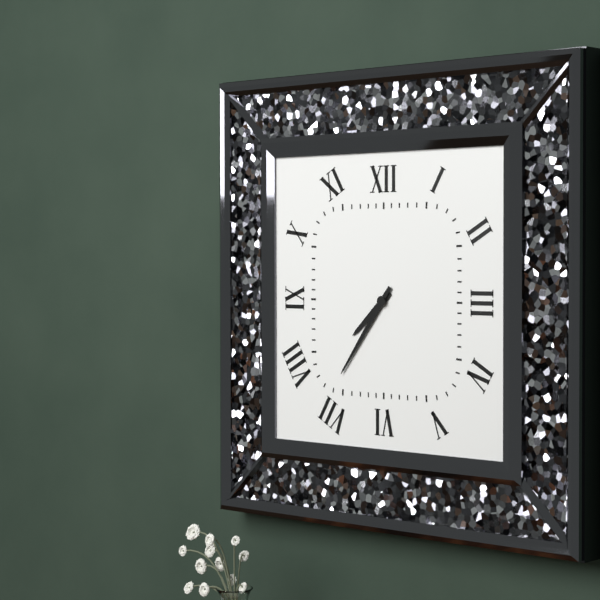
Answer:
{"hour": 7, "minute": 36}
